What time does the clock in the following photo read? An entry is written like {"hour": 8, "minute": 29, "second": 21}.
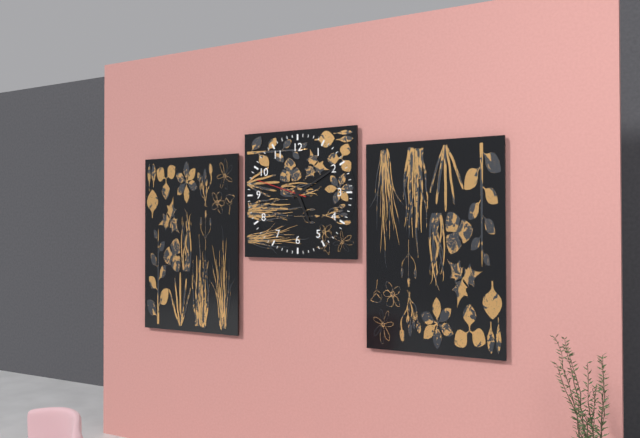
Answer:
{"hour": 5, "minute": 10, "second": 48}
